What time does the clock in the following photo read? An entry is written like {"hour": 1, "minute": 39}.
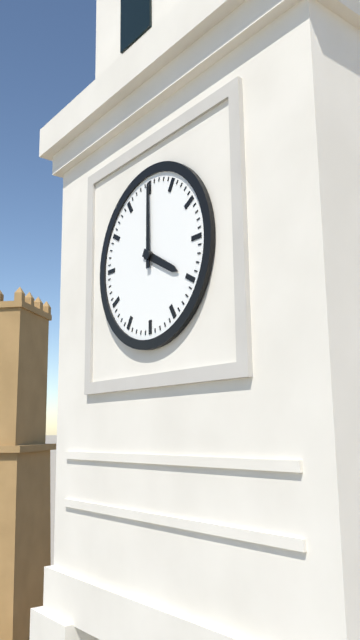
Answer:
{"hour": 4, "minute": 0}
